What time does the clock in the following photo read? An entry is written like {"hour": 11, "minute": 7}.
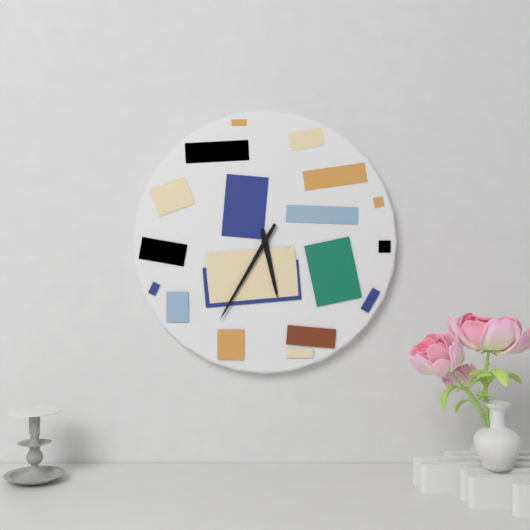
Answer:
{"hour": 5, "minute": 35}
